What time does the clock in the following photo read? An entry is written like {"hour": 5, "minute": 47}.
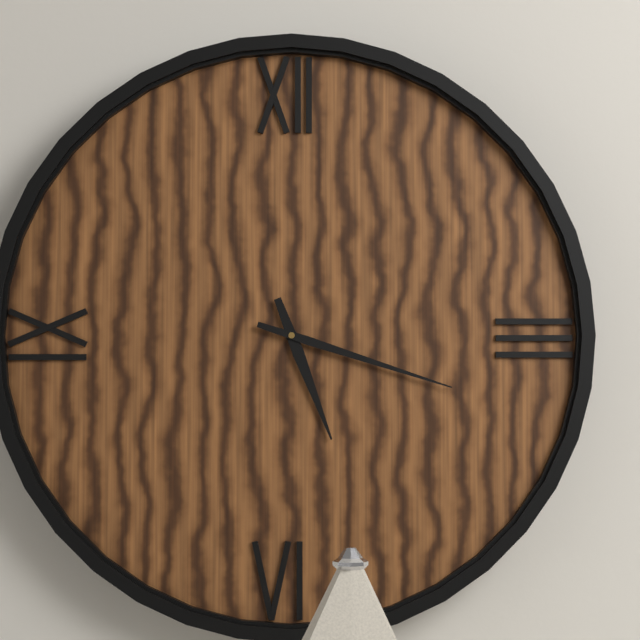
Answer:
{"hour": 5, "minute": 18}
